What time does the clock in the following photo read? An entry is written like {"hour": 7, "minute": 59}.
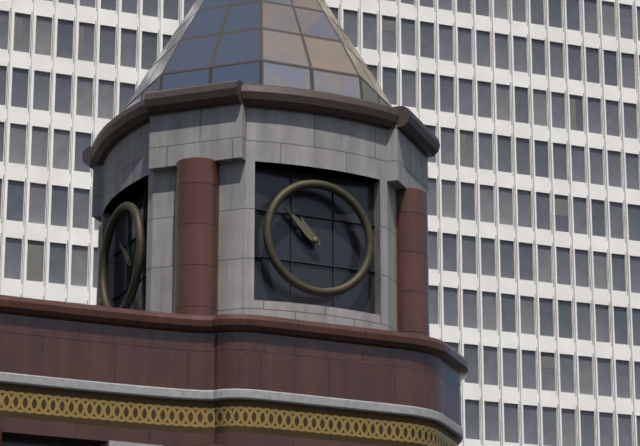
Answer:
{"hour": 10, "minute": 52}
